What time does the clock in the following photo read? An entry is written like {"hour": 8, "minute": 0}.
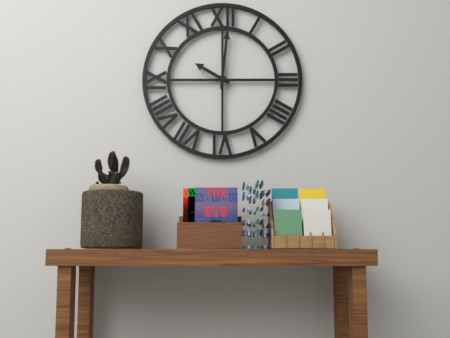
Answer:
{"hour": 10, "minute": 1}
